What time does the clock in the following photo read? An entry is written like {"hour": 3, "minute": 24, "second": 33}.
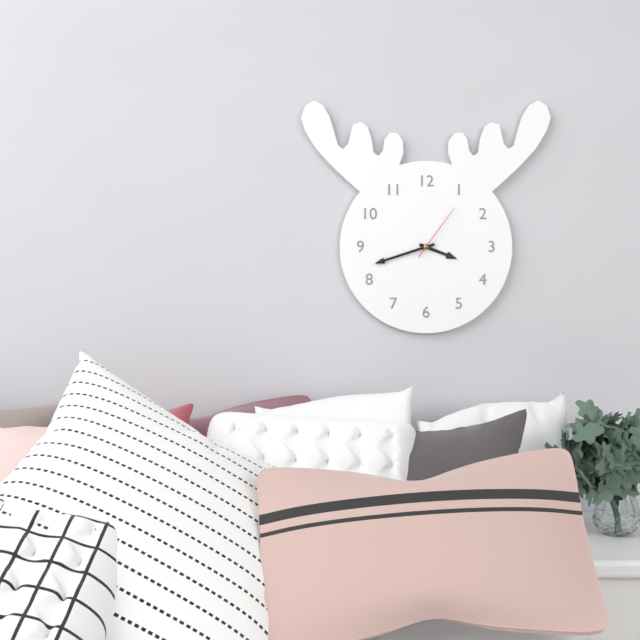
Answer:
{"hour": 3, "minute": 42, "second": 6}
